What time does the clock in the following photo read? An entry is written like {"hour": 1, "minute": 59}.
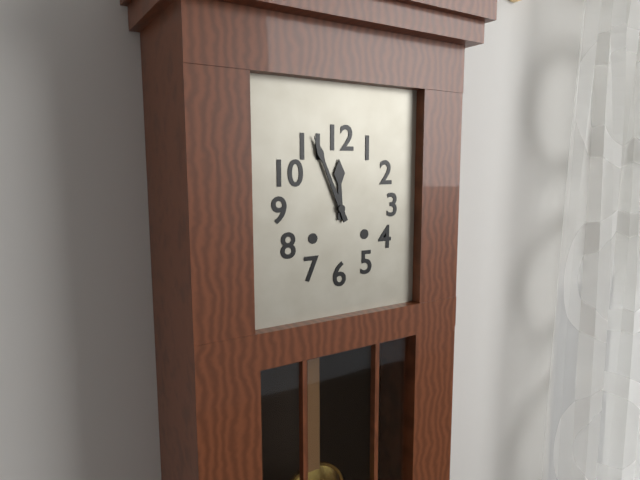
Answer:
{"hour": 11, "minute": 56}
